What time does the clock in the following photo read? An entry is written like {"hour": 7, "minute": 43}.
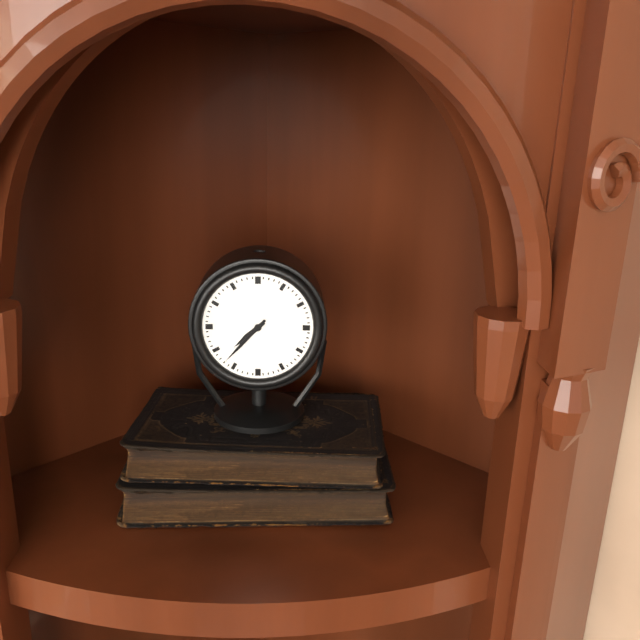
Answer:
{"hour": 7, "minute": 37}
